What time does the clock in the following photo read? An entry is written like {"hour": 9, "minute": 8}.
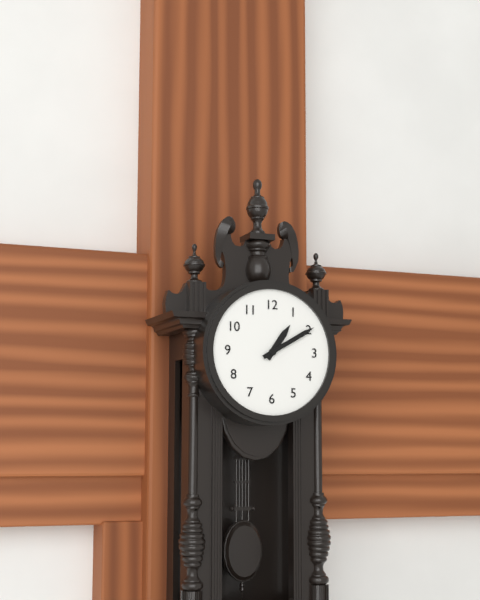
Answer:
{"hour": 1, "minute": 10}
